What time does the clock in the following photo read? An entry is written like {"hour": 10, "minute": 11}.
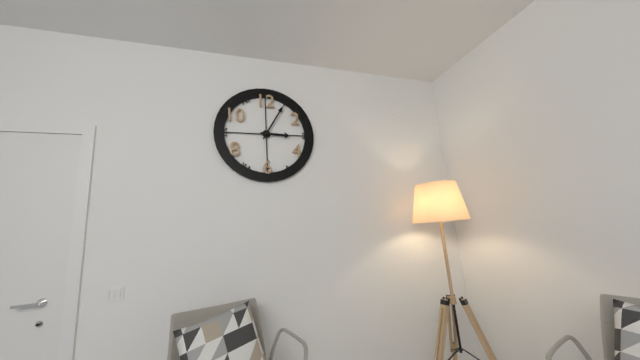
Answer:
{"hour": 3, "minute": 5}
